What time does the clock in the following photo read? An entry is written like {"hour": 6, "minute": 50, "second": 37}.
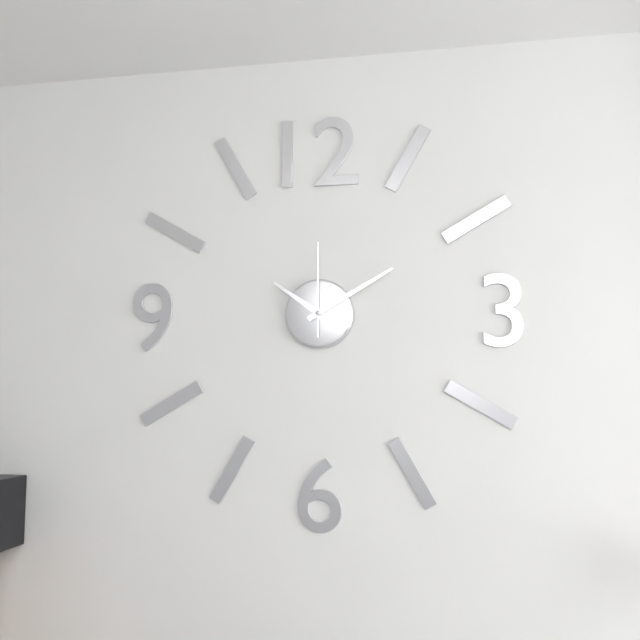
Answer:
{"hour": 10, "minute": 10, "second": 0}
